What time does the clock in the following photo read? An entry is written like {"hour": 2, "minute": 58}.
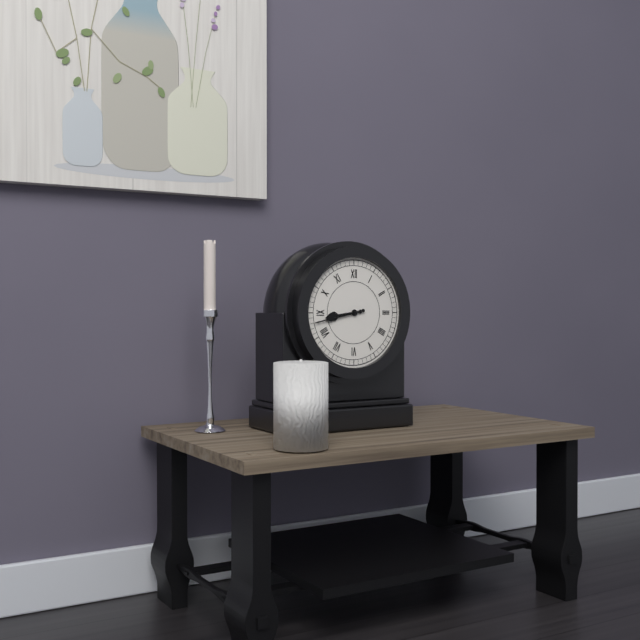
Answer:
{"hour": 8, "minute": 43}
